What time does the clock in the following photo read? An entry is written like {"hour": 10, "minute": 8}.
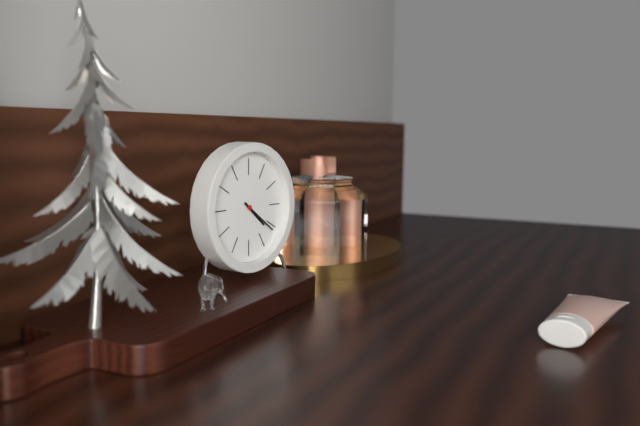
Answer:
{"hour": 4, "minute": 21}
